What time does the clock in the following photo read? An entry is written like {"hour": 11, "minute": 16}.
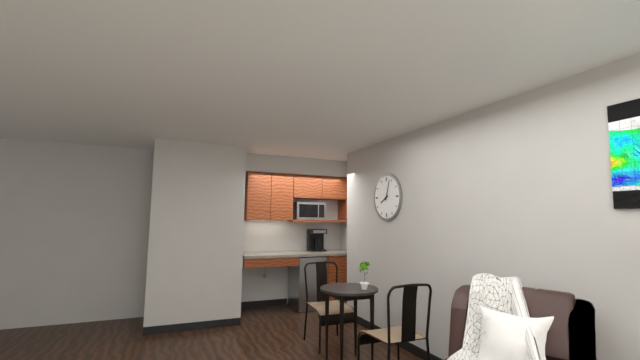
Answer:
{"hour": 8, "minute": 3}
